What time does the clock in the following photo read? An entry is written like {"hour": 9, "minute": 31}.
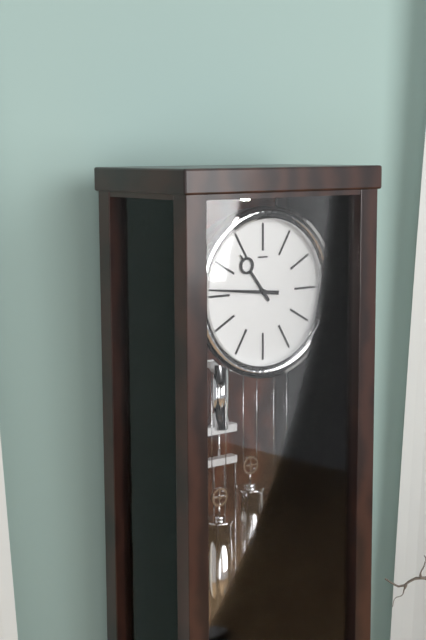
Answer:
{"hour": 10, "minute": 46}
